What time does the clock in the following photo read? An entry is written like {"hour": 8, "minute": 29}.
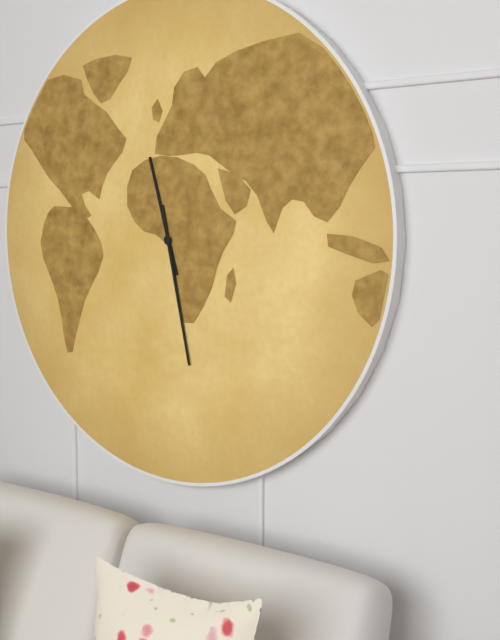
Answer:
{"hour": 11, "minute": 28}
